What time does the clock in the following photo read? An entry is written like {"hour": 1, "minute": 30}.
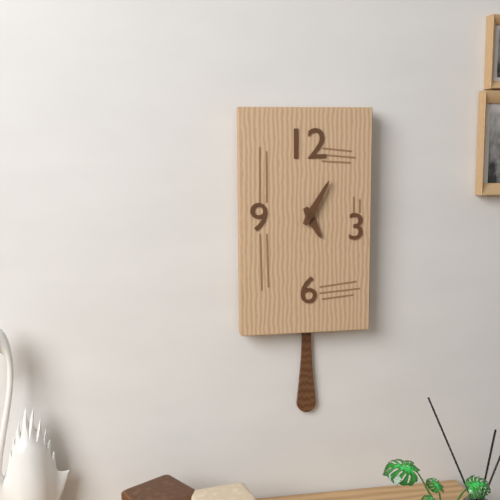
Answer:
{"hour": 5, "minute": 5}
